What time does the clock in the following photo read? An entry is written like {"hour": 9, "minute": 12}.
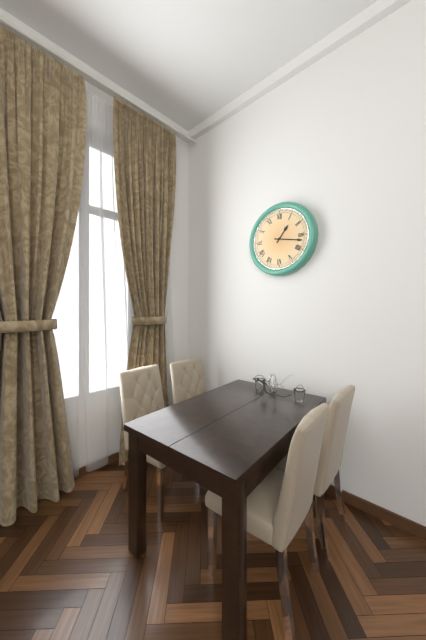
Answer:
{"hour": 1, "minute": 17}
